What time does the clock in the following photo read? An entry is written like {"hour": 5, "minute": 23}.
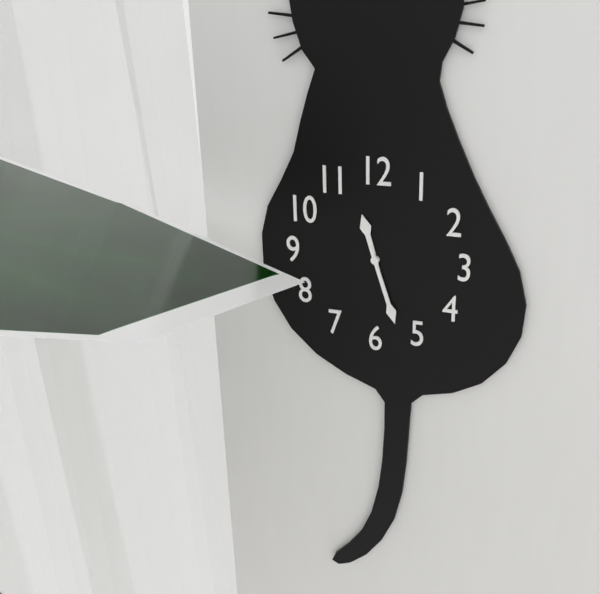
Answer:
{"hour": 11, "minute": 27}
